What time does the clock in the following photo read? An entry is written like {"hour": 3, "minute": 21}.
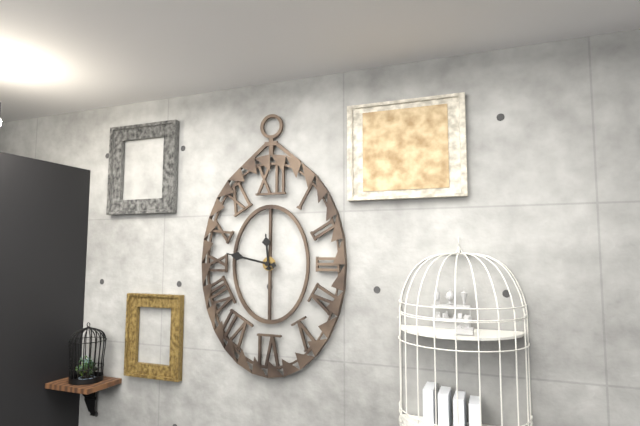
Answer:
{"hour": 11, "minute": 47}
